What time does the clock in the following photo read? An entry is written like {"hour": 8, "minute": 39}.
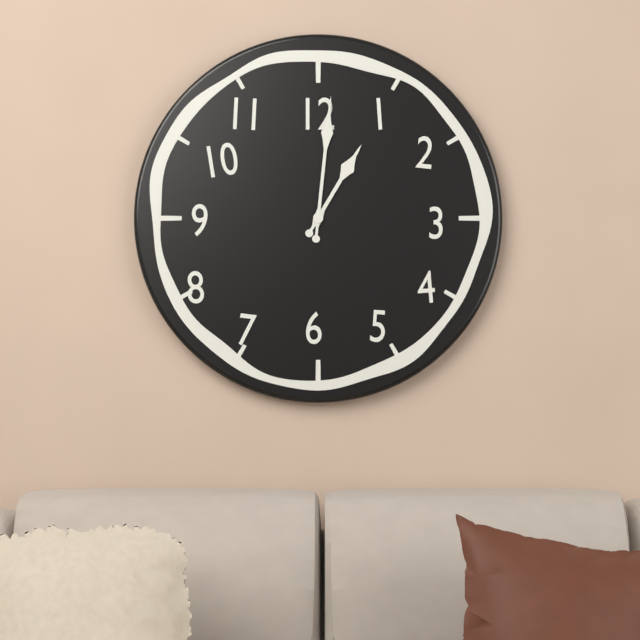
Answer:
{"hour": 1, "minute": 1}
